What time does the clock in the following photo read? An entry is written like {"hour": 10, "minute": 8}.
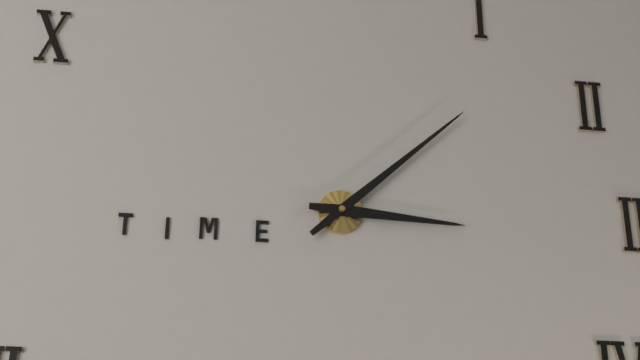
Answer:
{"hour": 3, "minute": 8}
